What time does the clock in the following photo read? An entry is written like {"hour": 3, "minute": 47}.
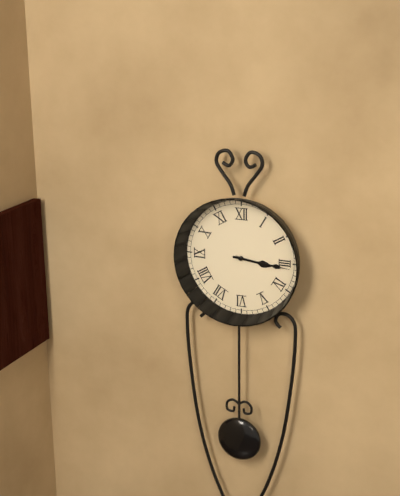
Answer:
{"hour": 3, "minute": 16}
